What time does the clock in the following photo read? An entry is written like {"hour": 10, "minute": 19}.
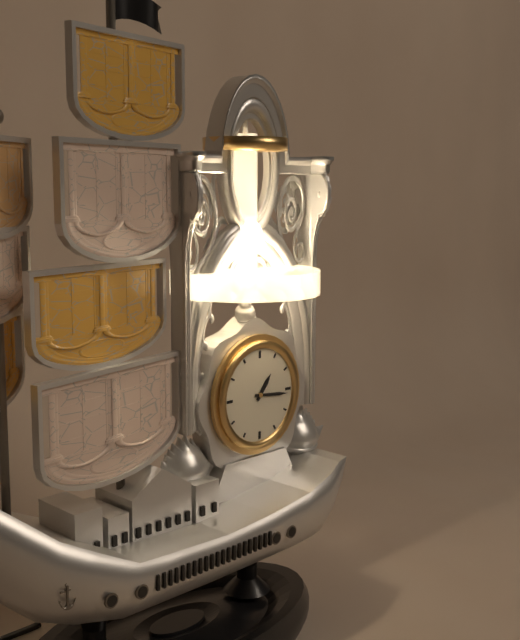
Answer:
{"hour": 1, "minute": 16}
